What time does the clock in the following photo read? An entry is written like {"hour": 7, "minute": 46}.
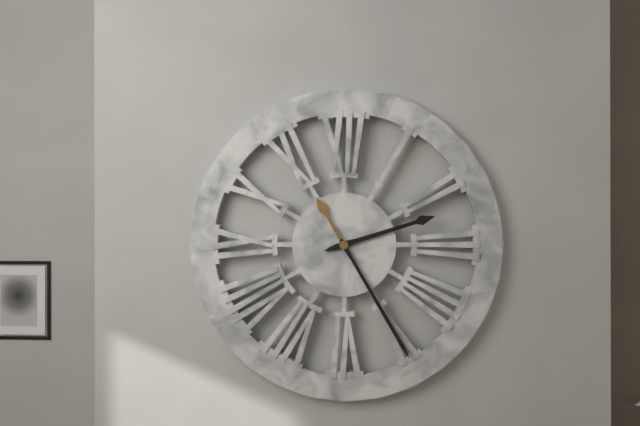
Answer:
{"hour": 2, "minute": 25}
